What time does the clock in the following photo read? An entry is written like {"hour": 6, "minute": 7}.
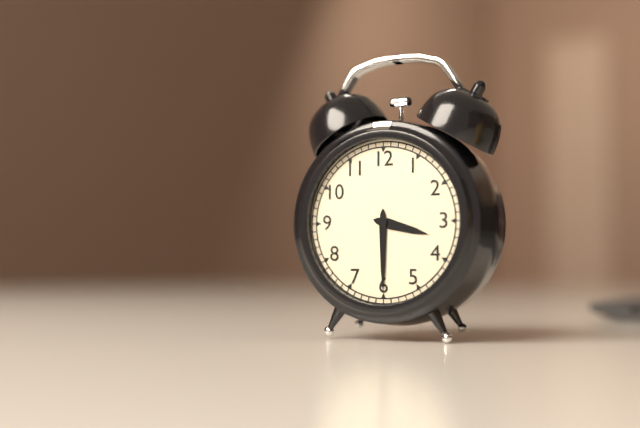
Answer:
{"hour": 3, "minute": 30}
